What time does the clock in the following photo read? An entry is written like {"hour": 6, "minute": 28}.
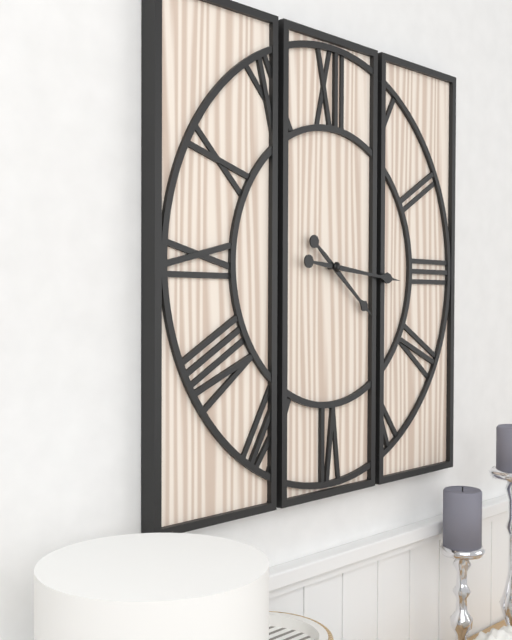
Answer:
{"hour": 4, "minute": 16}
